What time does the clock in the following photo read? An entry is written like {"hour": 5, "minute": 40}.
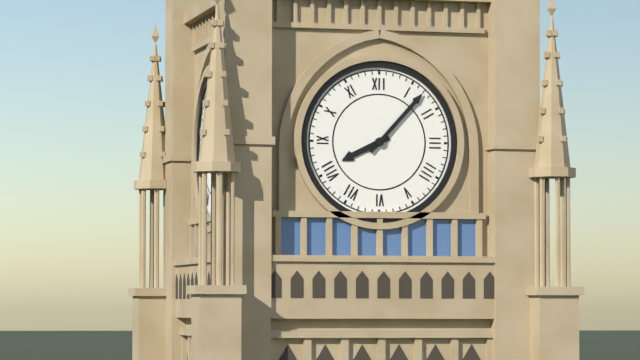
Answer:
{"hour": 8, "minute": 7}
